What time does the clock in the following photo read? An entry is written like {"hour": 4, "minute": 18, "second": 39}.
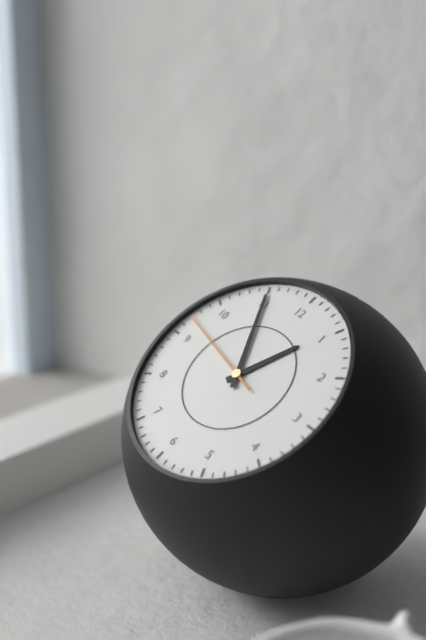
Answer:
{"hour": 12, "minute": 55, "second": 47}
